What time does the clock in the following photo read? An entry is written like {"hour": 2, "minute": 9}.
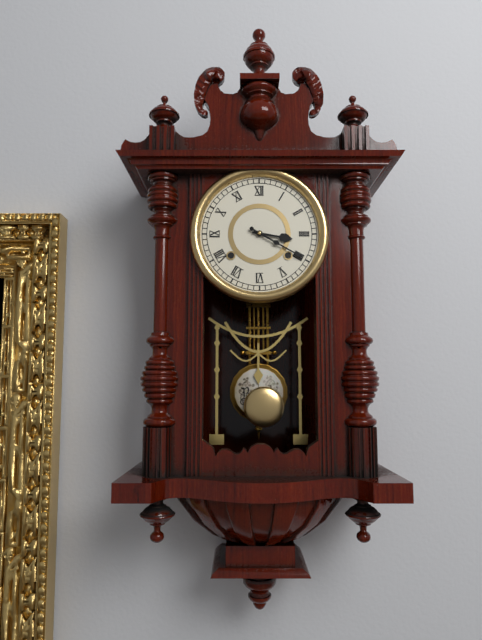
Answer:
{"hour": 3, "minute": 20}
